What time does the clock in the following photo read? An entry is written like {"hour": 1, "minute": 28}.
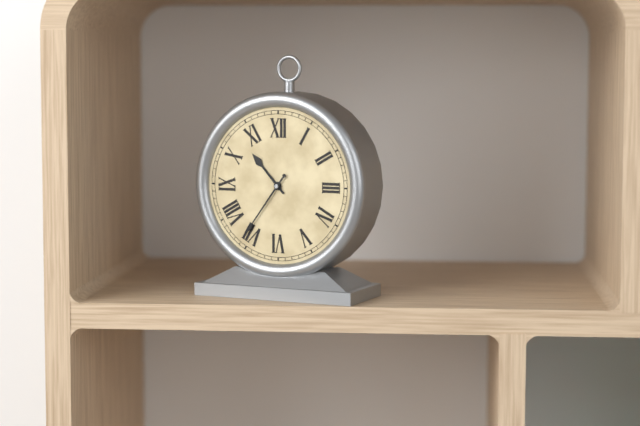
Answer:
{"hour": 10, "minute": 36}
